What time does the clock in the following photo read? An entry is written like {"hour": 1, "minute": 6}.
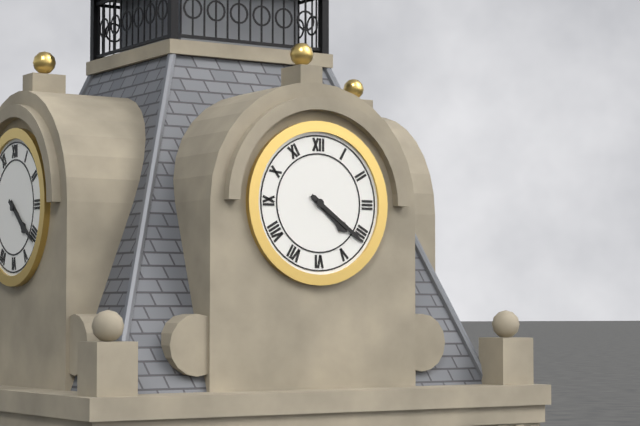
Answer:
{"hour": 4, "minute": 21}
